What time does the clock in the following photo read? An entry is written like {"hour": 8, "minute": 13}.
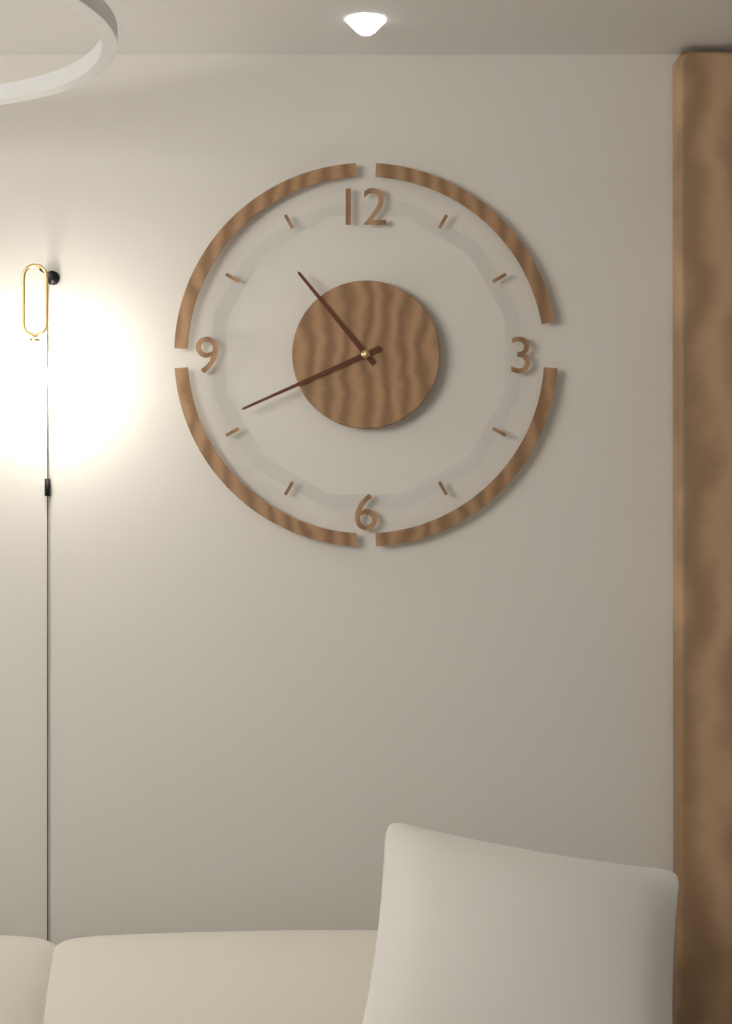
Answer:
{"hour": 10, "minute": 41}
